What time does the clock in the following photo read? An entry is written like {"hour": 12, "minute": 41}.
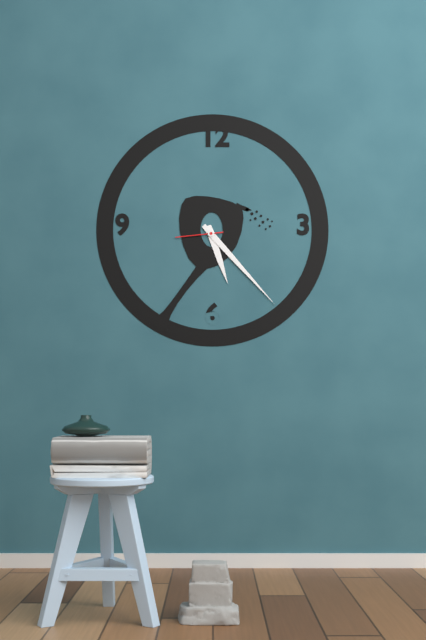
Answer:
{"hour": 5, "minute": 23}
